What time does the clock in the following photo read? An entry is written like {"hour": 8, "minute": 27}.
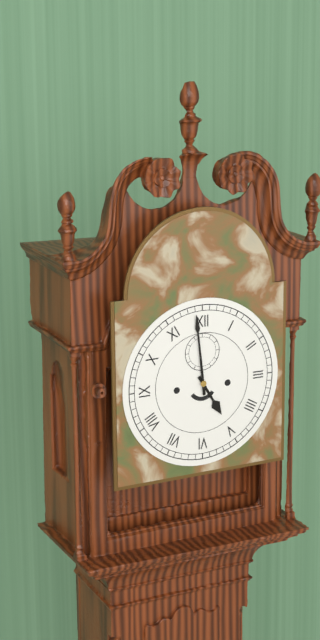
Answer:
{"hour": 4, "minute": 59}
